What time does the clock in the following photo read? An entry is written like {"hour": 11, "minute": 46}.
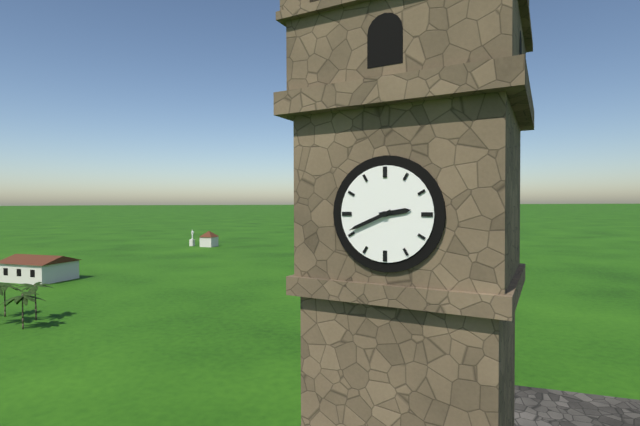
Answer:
{"hour": 2, "minute": 41}
